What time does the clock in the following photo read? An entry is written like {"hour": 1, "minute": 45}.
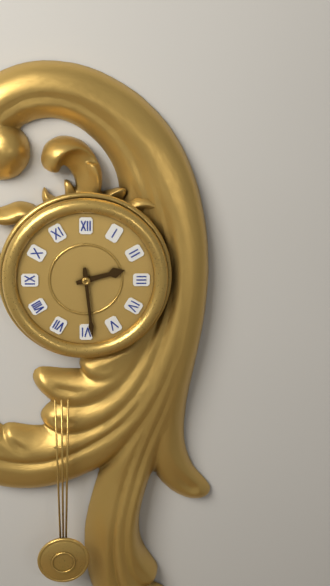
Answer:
{"hour": 2, "minute": 29}
